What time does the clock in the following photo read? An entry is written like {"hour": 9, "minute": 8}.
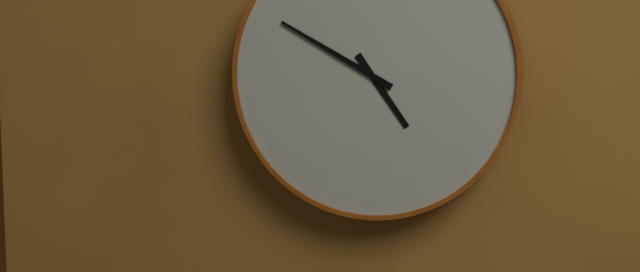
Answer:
{"hour": 4, "minute": 50}
